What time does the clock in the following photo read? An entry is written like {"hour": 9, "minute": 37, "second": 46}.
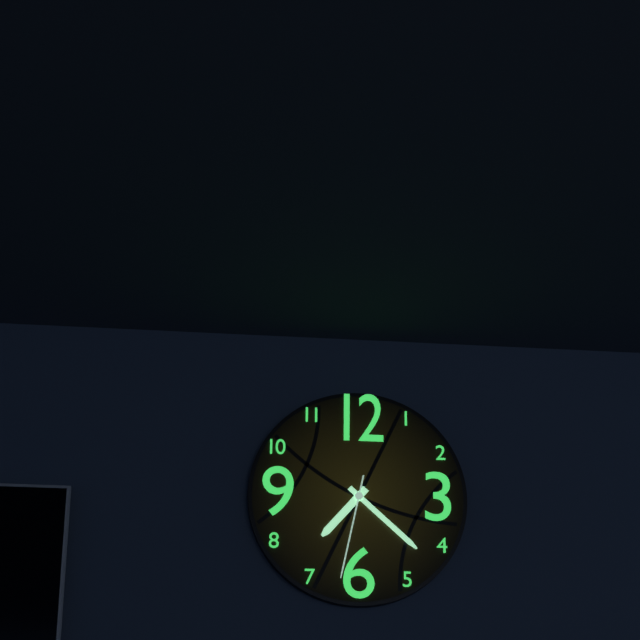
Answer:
{"hour": 7, "minute": 22, "second": 32}
